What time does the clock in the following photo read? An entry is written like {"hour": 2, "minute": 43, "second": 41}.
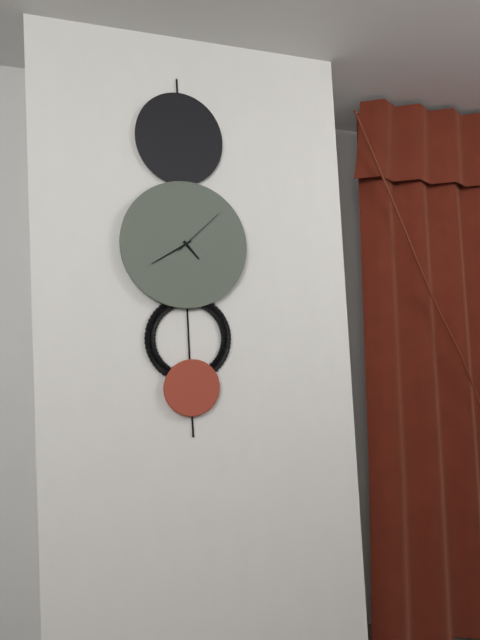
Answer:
{"hour": 4, "minute": 40, "second": 8}
